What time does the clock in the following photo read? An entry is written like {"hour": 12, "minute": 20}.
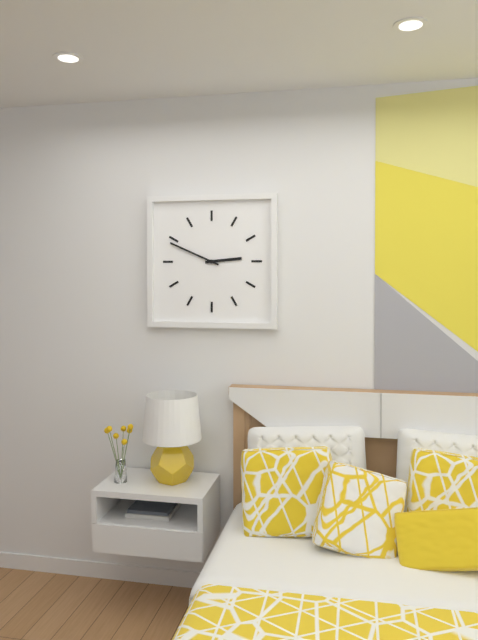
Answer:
{"hour": 2, "minute": 49}
